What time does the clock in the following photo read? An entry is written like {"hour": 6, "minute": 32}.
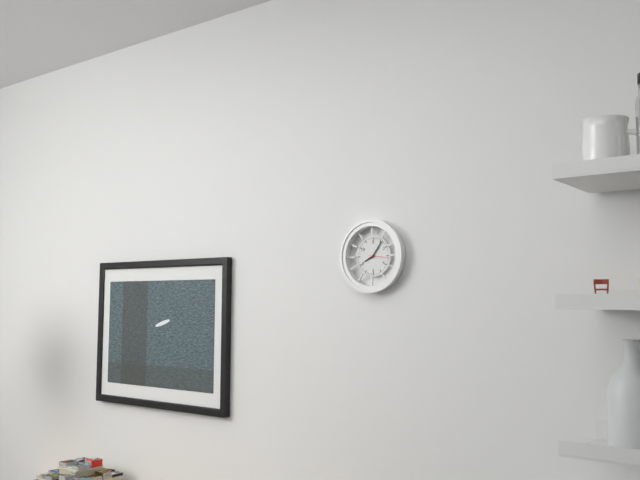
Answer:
{"hour": 8, "minute": 6}
